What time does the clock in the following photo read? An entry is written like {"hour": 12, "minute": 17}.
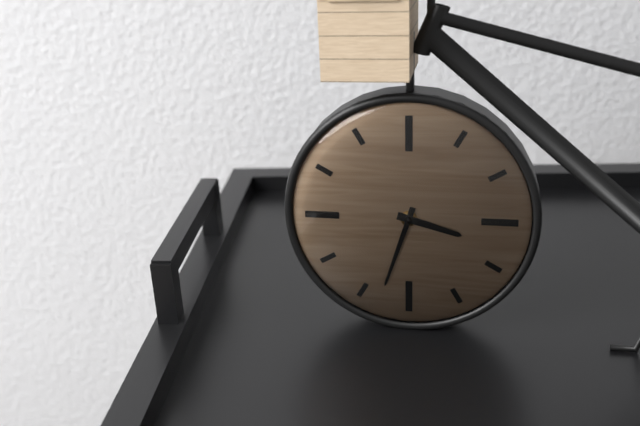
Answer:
{"hour": 3, "minute": 33}
